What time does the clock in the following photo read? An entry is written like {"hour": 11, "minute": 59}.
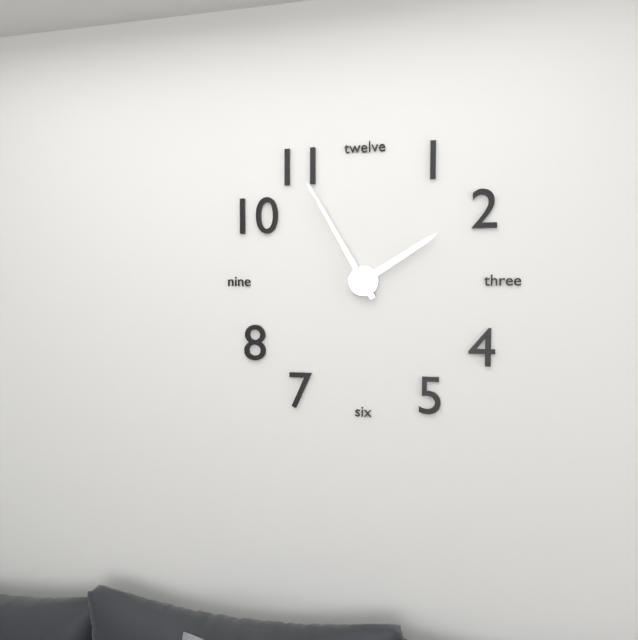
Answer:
{"hour": 1, "minute": 55}
